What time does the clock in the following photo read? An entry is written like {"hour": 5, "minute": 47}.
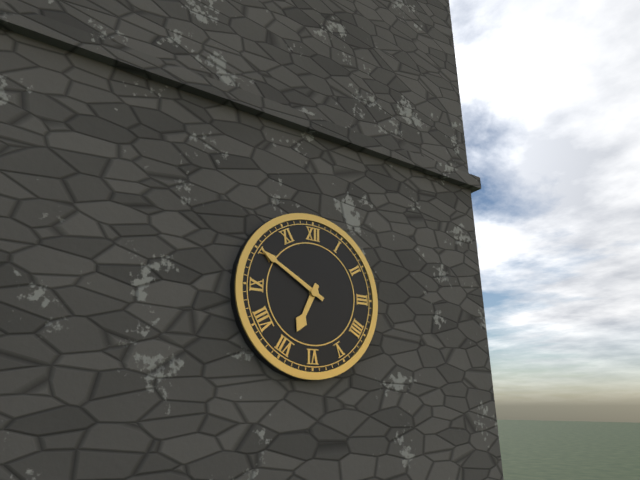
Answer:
{"hour": 6, "minute": 50}
